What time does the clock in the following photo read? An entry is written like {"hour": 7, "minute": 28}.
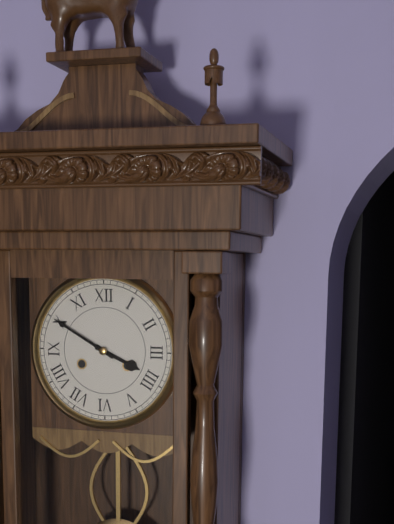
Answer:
{"hour": 3, "minute": 50}
